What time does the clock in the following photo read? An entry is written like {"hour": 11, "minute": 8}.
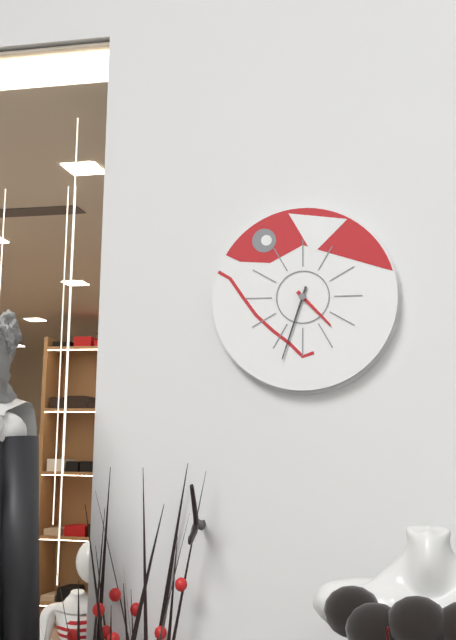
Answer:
{"hour": 4, "minute": 33}
